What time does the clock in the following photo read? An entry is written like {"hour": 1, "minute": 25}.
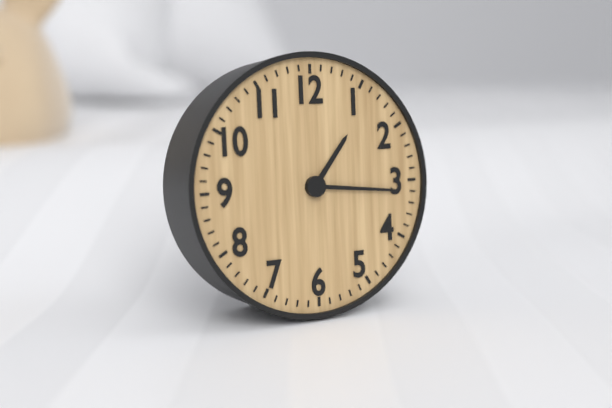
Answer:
{"hour": 1, "minute": 16}
